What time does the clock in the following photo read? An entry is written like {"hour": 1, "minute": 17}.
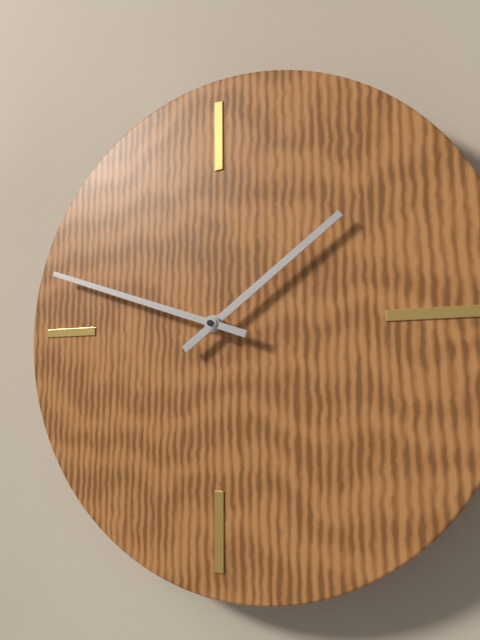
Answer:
{"hour": 1, "minute": 48}
